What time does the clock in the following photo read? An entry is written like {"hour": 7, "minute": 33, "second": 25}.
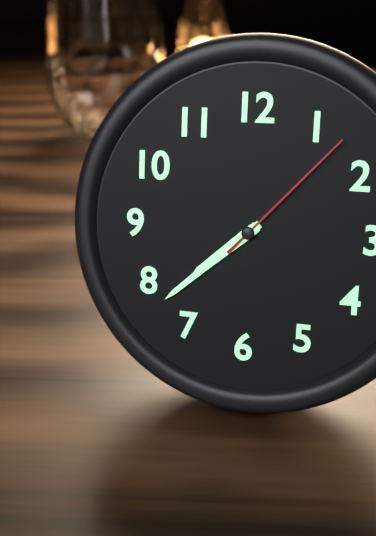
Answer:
{"hour": 7, "minute": 38, "second": 7}
